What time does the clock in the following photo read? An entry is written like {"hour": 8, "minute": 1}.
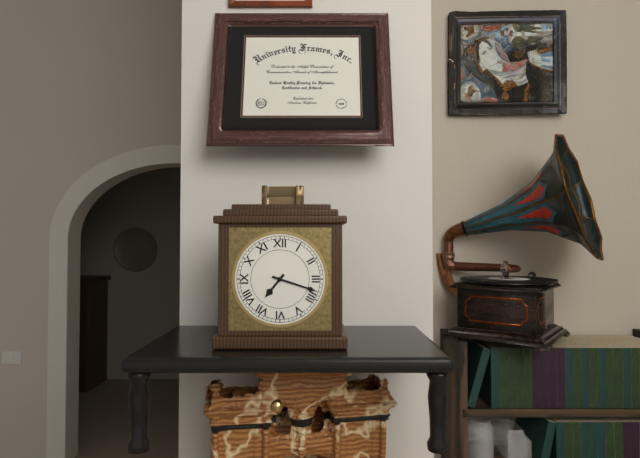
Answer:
{"hour": 7, "minute": 18}
